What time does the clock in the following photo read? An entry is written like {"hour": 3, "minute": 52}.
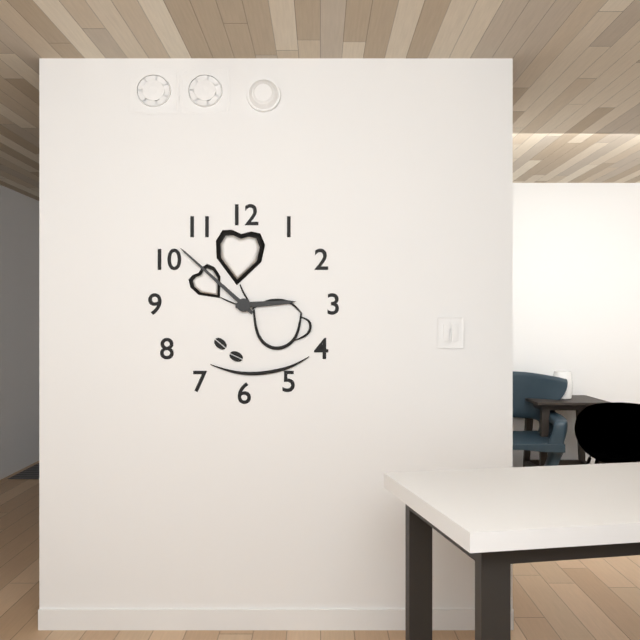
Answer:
{"hour": 2, "minute": 52}
